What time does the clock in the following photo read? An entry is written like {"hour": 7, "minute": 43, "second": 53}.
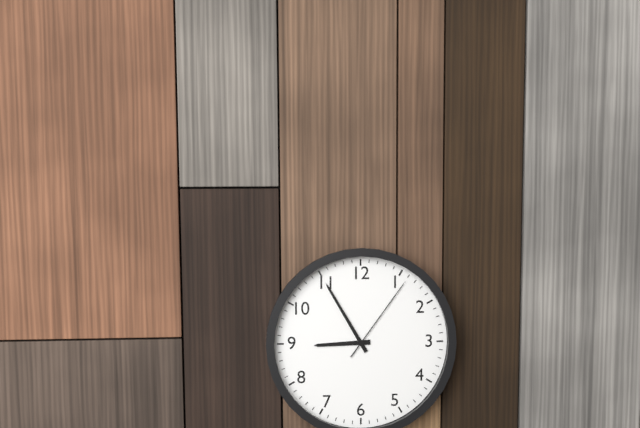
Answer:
{"hour": 8, "minute": 55, "second": 6}
